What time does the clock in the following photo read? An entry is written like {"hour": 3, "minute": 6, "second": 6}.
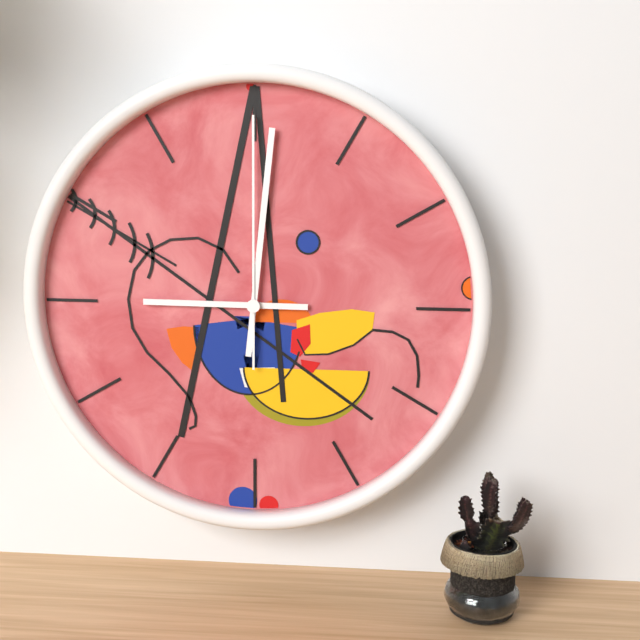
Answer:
{"hour": 9, "minute": 1, "second": 0}
